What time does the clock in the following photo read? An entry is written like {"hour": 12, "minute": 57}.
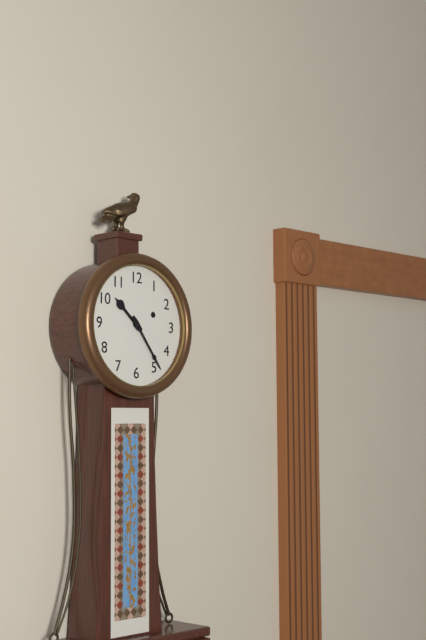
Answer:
{"hour": 10, "minute": 24}
